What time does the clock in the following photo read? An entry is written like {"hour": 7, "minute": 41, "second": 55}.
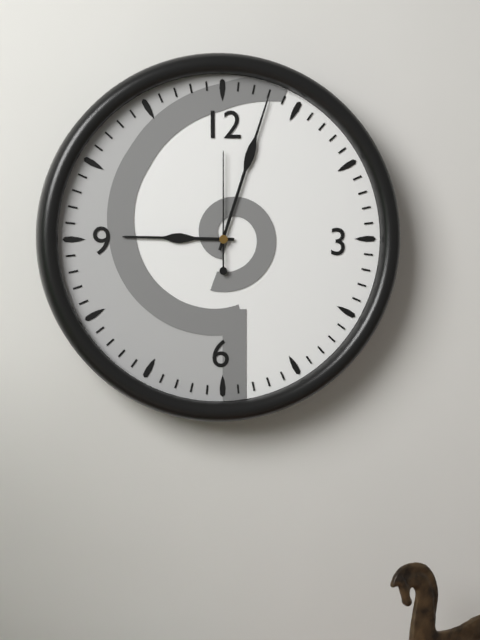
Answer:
{"hour": 9, "minute": 3, "second": 0}
